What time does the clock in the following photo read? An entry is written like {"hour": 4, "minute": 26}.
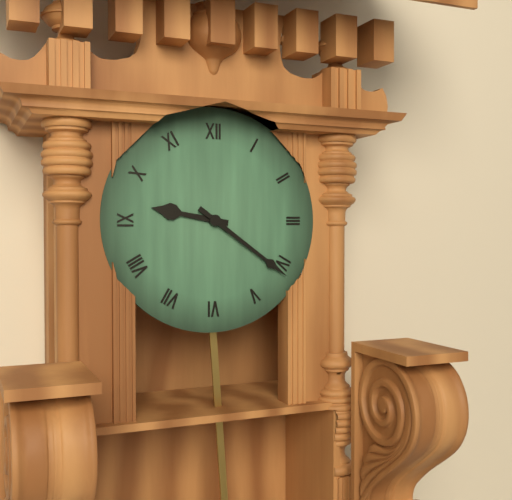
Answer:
{"hour": 9, "minute": 21}
